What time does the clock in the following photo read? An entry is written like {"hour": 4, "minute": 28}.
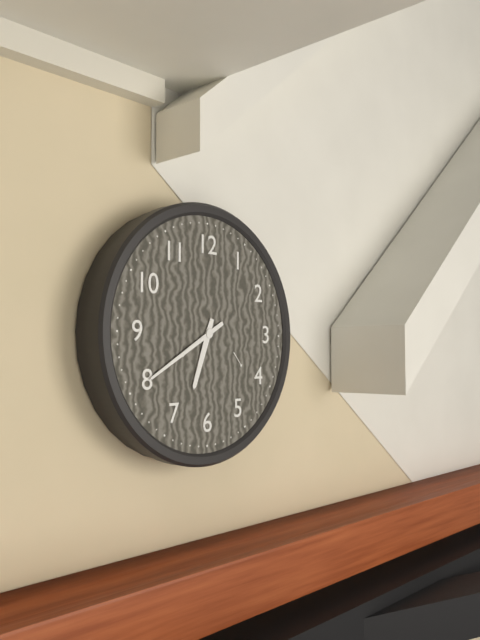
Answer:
{"hour": 6, "minute": 40}
